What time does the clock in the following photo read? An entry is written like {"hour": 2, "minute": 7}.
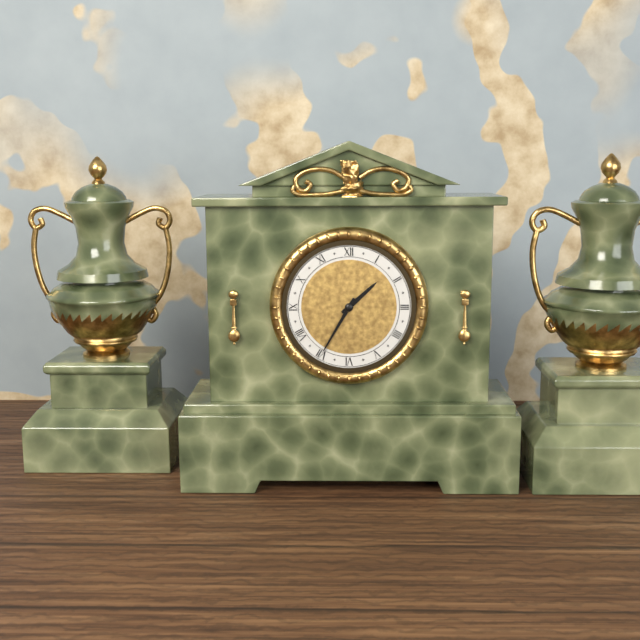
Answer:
{"hour": 1, "minute": 35}
